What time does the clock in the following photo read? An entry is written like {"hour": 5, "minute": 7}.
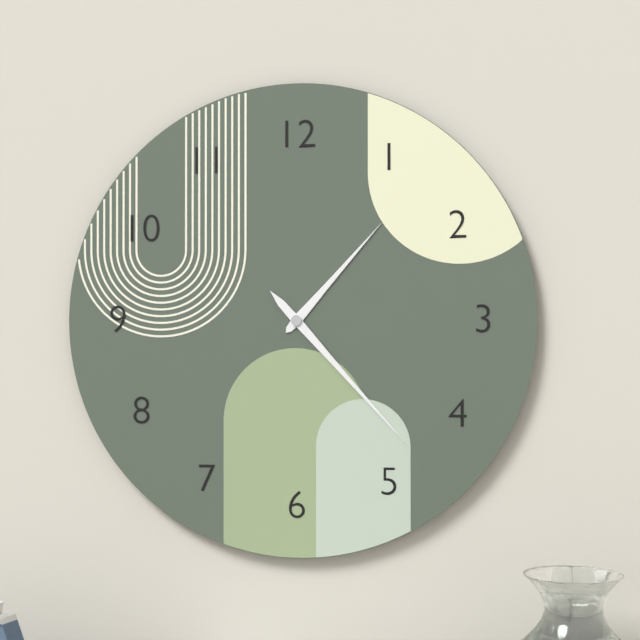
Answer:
{"hour": 1, "minute": 23}
